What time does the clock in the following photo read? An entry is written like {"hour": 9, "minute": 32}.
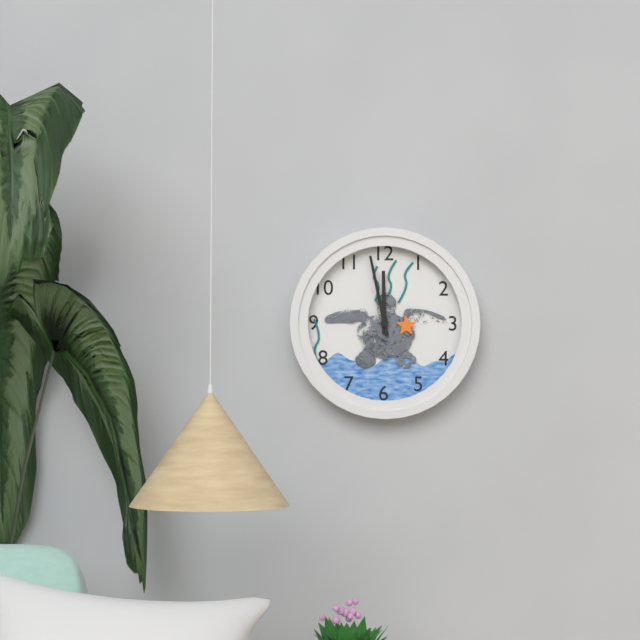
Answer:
{"hour": 11, "minute": 58}
